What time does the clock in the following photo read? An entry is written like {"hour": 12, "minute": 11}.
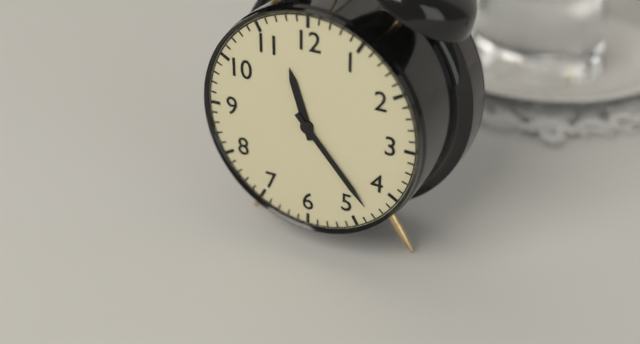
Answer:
{"hour": 11, "minute": 23}
